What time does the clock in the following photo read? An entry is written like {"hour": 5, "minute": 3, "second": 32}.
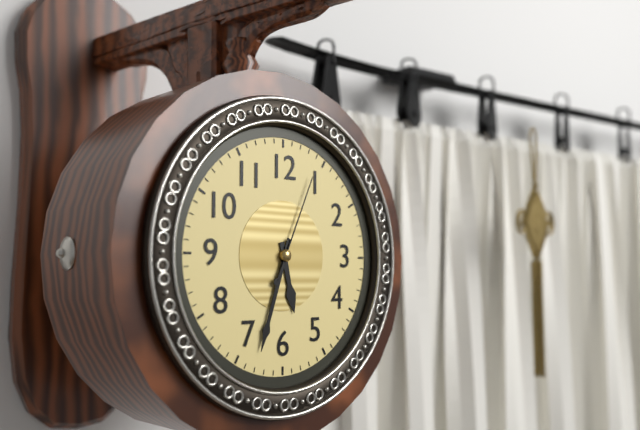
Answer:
{"hour": 5, "minute": 33, "second": 4}
